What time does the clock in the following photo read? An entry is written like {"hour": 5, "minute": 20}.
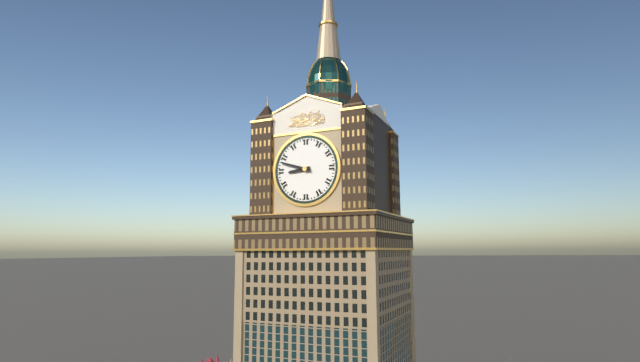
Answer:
{"hour": 8, "minute": 48}
